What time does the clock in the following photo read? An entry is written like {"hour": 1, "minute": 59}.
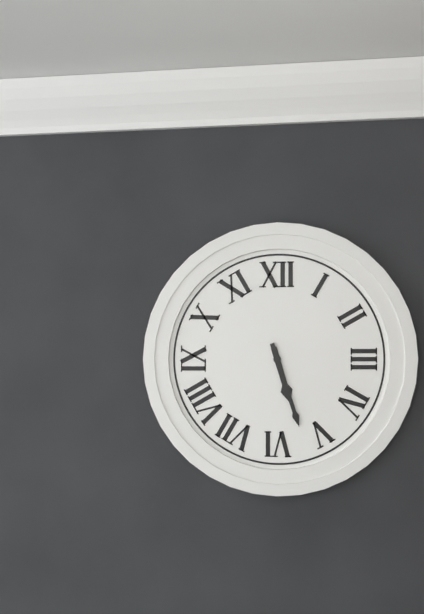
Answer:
{"hour": 5, "minute": 27}
